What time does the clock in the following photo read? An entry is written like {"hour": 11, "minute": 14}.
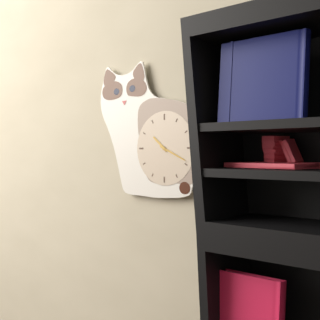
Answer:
{"hour": 10, "minute": 19}
